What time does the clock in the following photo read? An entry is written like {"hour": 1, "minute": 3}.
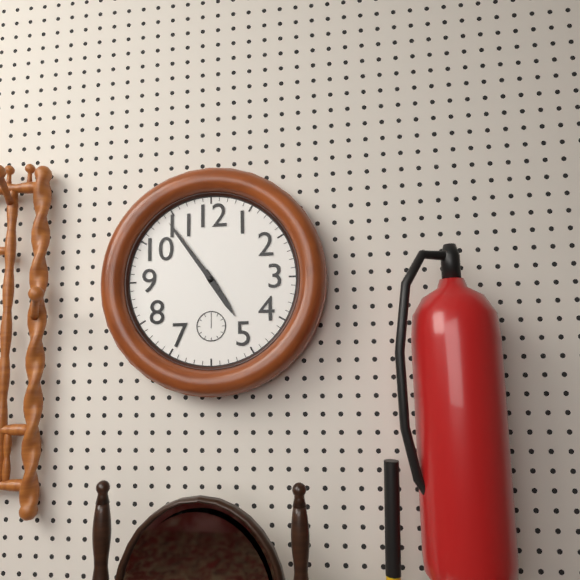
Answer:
{"hour": 4, "minute": 54}
